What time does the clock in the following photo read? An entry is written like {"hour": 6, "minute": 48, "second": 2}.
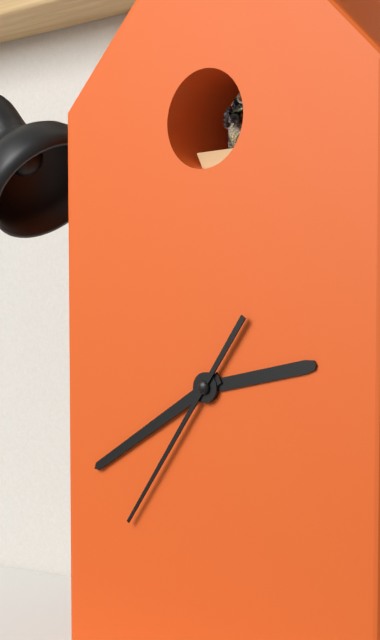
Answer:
{"hour": 2, "minute": 40, "second": 36}
